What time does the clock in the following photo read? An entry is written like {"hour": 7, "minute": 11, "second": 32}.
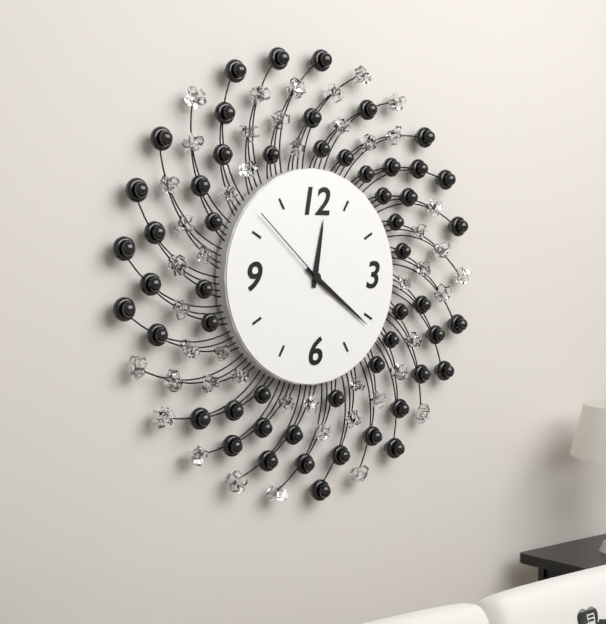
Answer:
{"hour": 12, "minute": 21, "second": 52}
